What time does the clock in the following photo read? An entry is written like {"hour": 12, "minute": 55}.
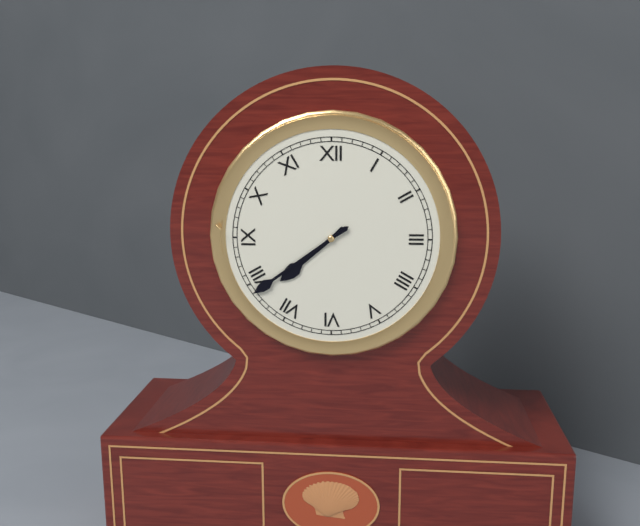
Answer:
{"hour": 7, "minute": 39}
